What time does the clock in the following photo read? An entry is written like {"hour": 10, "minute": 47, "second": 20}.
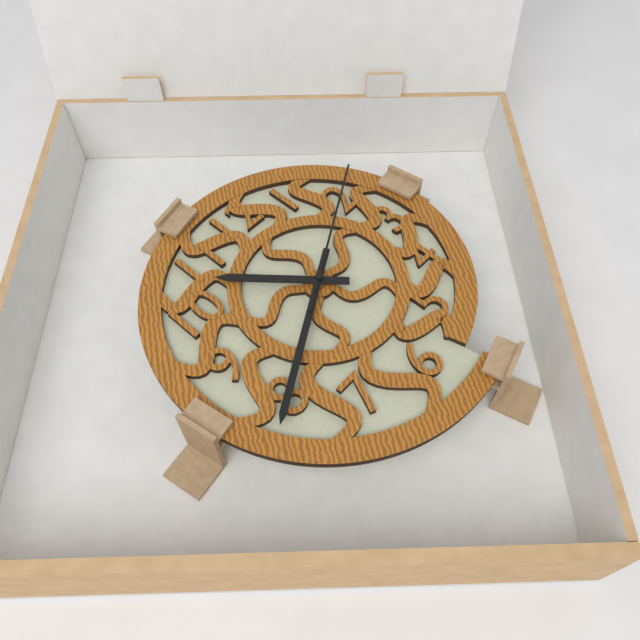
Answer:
{"hour": 10, "minute": 40, "second": 10}
